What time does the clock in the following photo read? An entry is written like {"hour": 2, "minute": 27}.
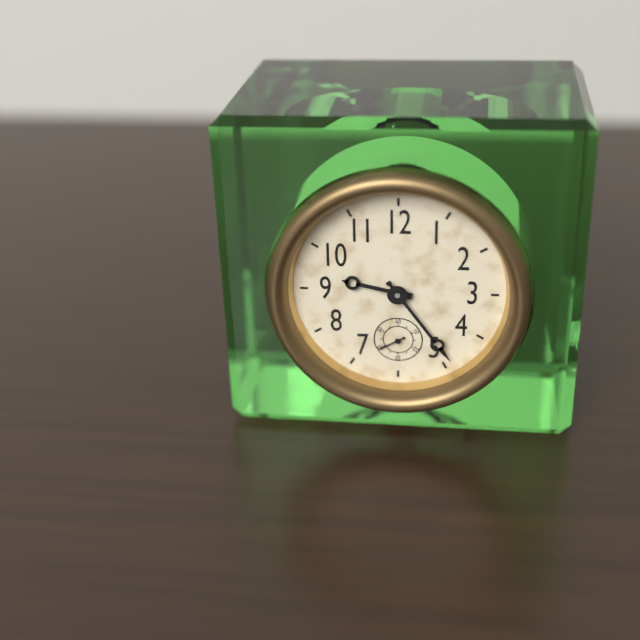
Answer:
{"hour": 9, "minute": 24}
